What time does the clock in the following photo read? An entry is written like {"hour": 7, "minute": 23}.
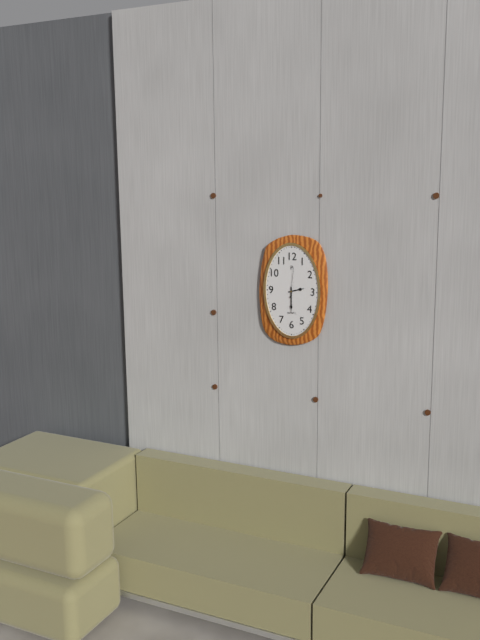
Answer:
{"hour": 2, "minute": 30}
